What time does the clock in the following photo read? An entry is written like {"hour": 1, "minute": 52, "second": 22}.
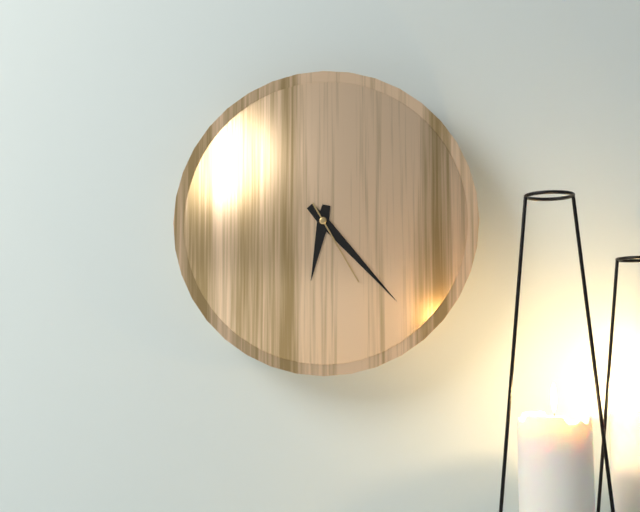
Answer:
{"hour": 6, "minute": 23, "second": 25}
